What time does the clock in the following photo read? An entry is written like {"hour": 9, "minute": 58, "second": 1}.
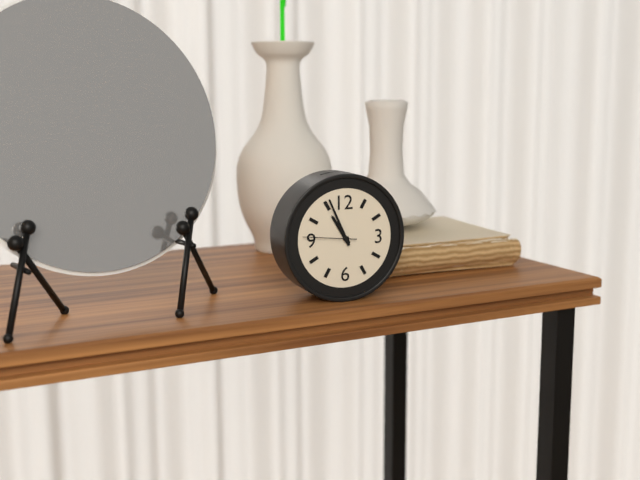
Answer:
{"hour": 10, "minute": 56, "second": 46}
